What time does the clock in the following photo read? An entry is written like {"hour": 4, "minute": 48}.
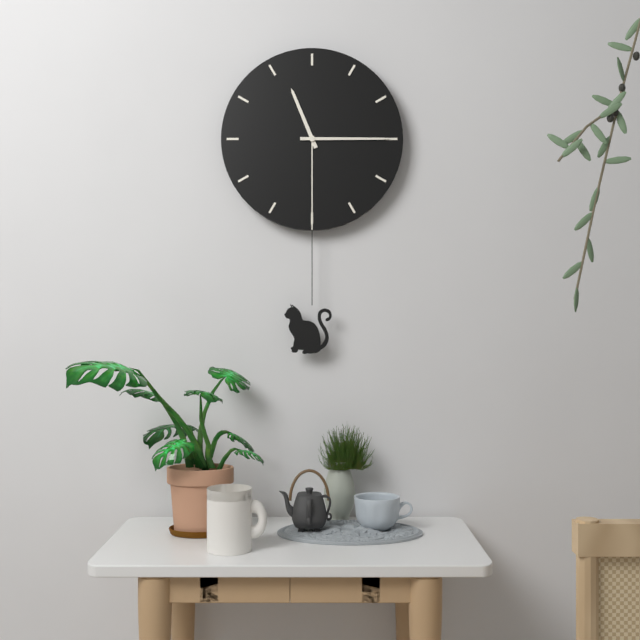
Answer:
{"hour": 11, "minute": 15}
